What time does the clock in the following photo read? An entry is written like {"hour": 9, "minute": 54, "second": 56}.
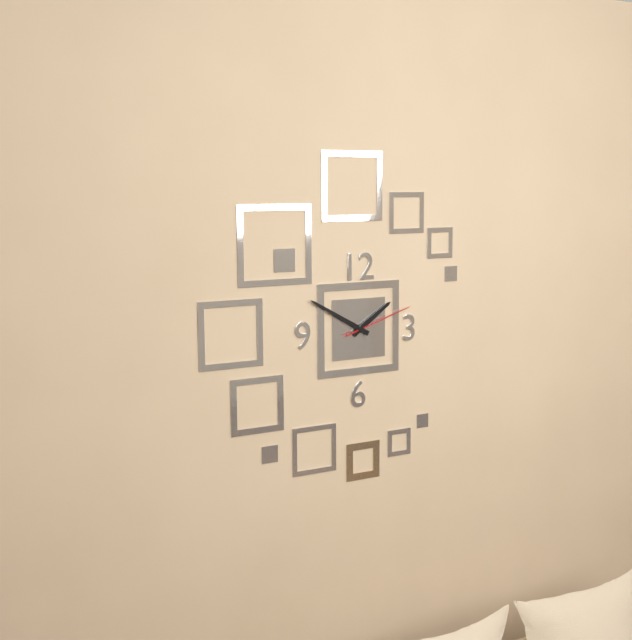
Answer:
{"hour": 1, "minute": 50, "second": 12}
